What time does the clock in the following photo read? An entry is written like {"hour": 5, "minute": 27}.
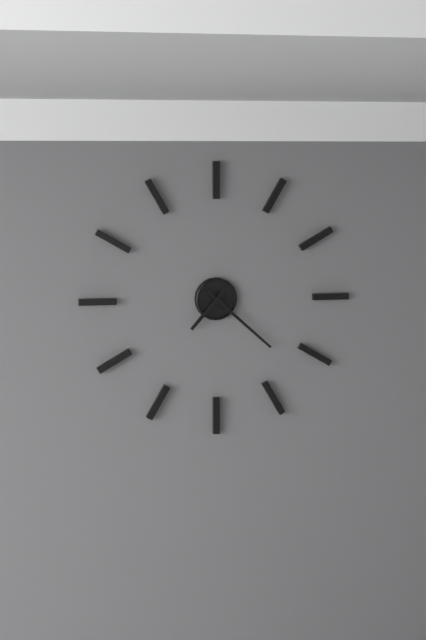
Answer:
{"hour": 7, "minute": 22}
